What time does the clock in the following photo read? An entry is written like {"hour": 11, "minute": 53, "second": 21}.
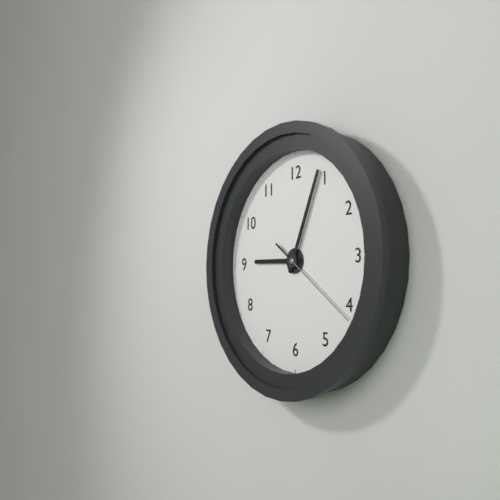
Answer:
{"hour": 9, "minute": 4, "second": 21}
